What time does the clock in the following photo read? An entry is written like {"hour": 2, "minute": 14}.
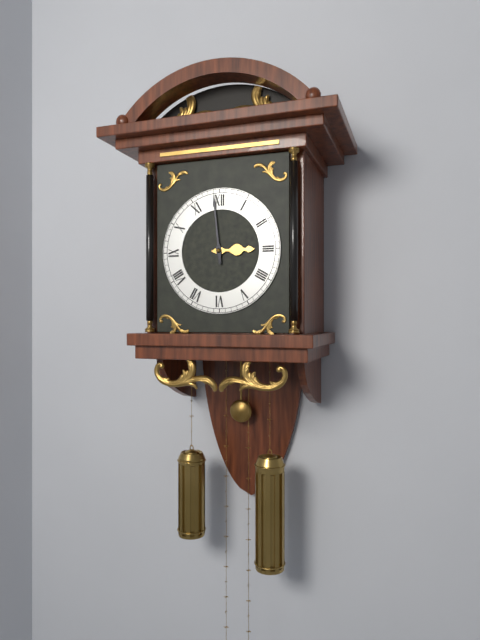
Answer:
{"hour": 2, "minute": 59}
